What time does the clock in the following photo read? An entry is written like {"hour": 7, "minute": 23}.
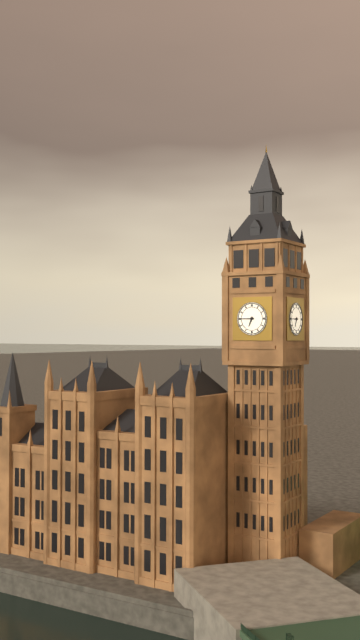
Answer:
{"hour": 6, "minute": 45}
